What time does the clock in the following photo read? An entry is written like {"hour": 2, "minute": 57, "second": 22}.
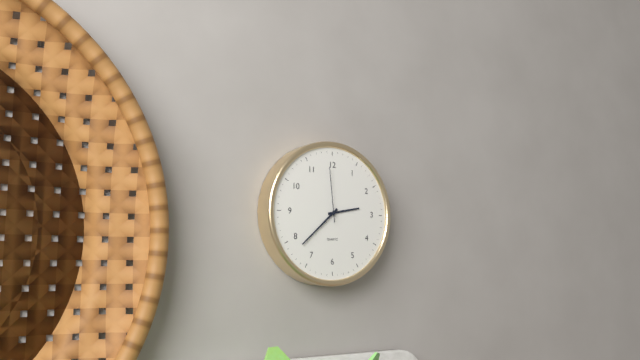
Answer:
{"hour": 2, "minute": 38, "second": 59}
